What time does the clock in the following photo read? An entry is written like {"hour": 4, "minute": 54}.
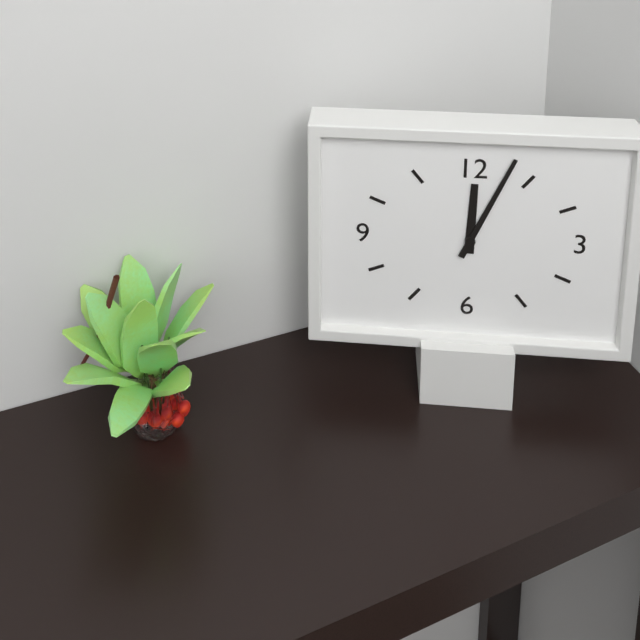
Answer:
{"hour": 12, "minute": 4}
